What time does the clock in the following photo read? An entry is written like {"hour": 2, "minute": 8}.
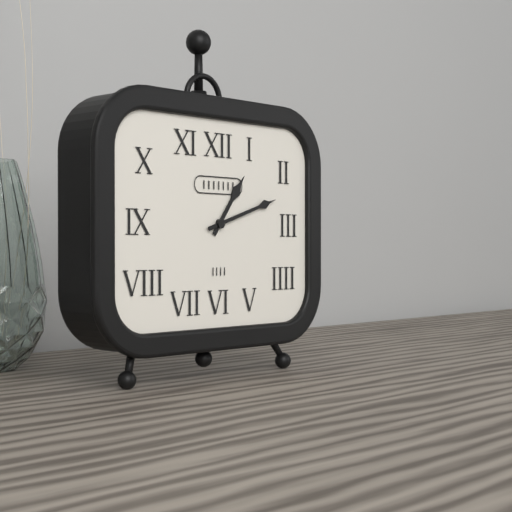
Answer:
{"hour": 1, "minute": 12}
